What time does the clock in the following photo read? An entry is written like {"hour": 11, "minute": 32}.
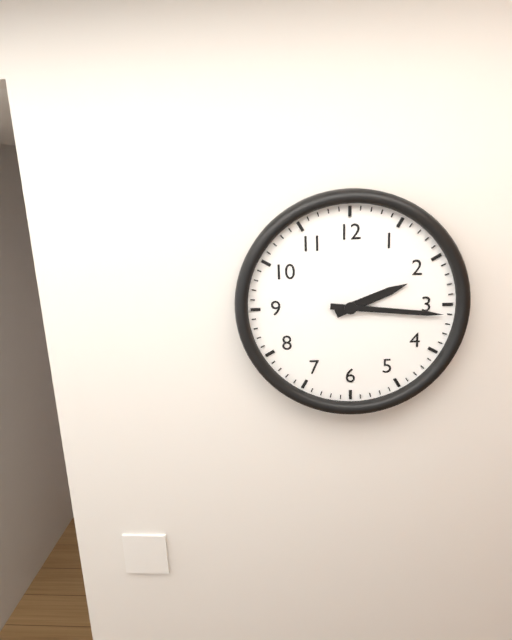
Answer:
{"hour": 2, "minute": 16}
